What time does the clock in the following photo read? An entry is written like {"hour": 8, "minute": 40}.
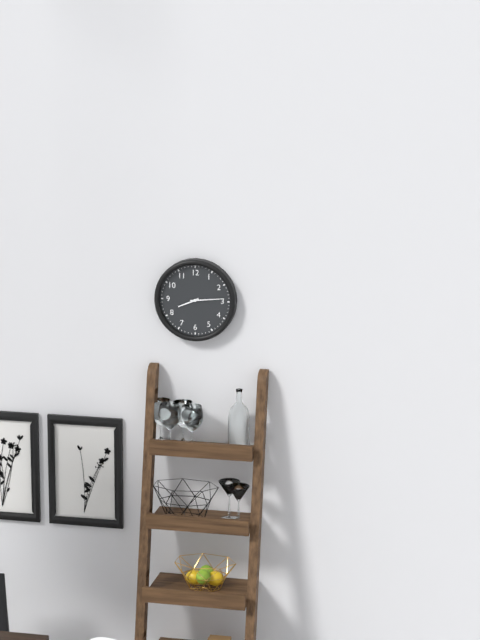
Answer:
{"hour": 8, "minute": 14}
